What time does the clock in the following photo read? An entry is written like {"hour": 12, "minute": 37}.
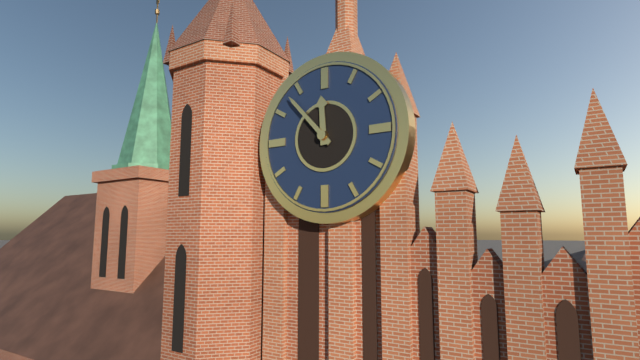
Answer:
{"hour": 11, "minute": 53}
